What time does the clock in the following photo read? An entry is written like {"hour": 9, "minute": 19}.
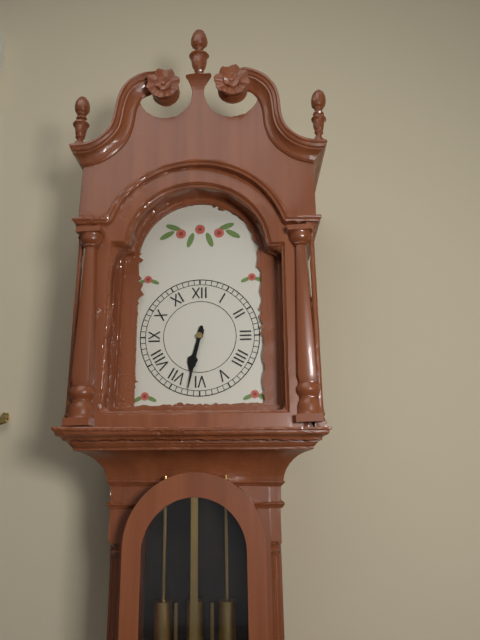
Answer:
{"hour": 6, "minute": 32}
